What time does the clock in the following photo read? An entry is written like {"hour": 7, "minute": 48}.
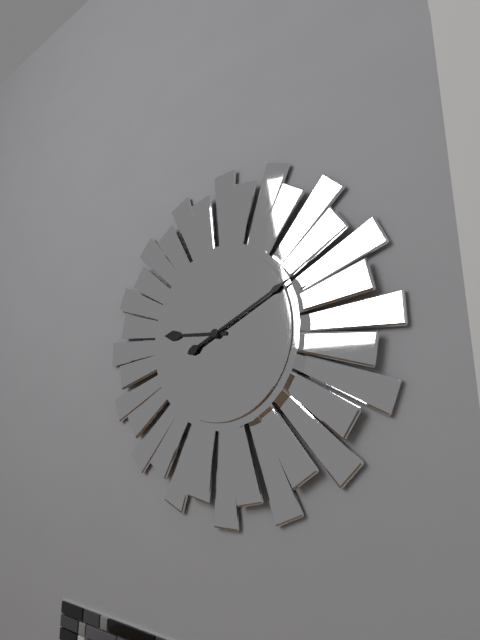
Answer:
{"hour": 9, "minute": 11}
